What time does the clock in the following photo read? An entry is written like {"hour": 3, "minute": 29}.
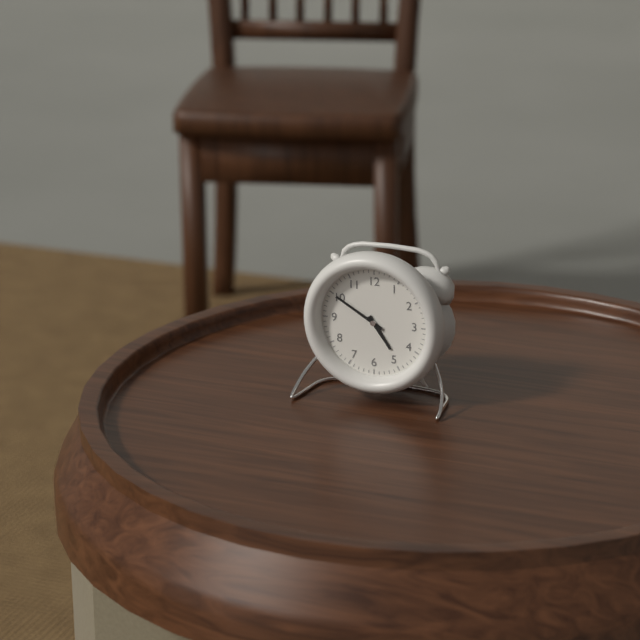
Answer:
{"hour": 4, "minute": 50}
